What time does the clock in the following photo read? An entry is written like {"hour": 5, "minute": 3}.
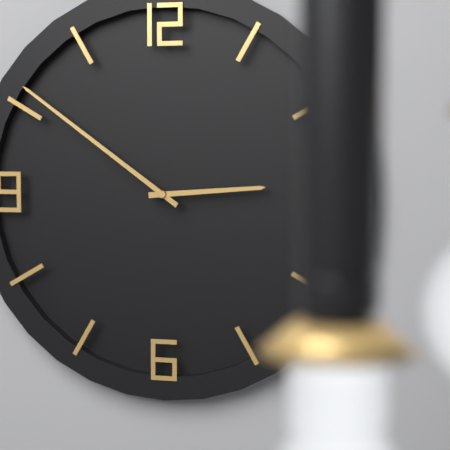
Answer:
{"hour": 2, "minute": 51}
